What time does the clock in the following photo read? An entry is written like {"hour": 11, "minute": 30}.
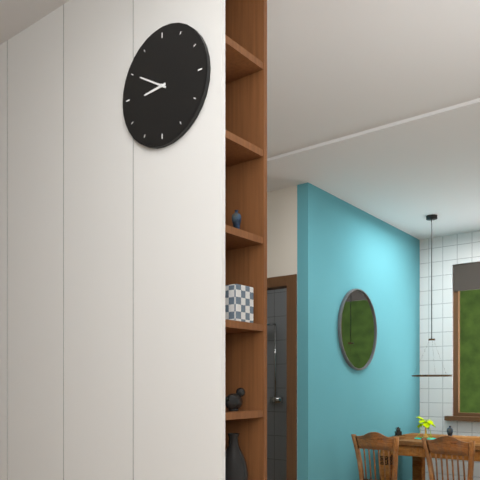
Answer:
{"hour": 8, "minute": 50}
